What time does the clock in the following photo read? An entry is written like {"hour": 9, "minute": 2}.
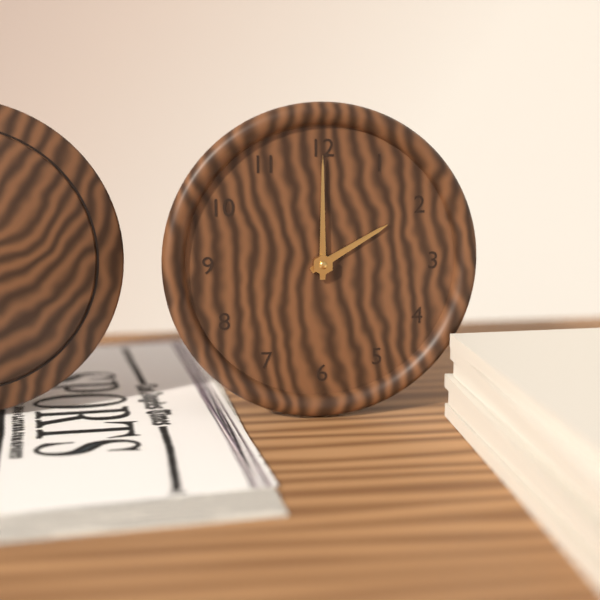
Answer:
{"hour": 2, "minute": 0}
